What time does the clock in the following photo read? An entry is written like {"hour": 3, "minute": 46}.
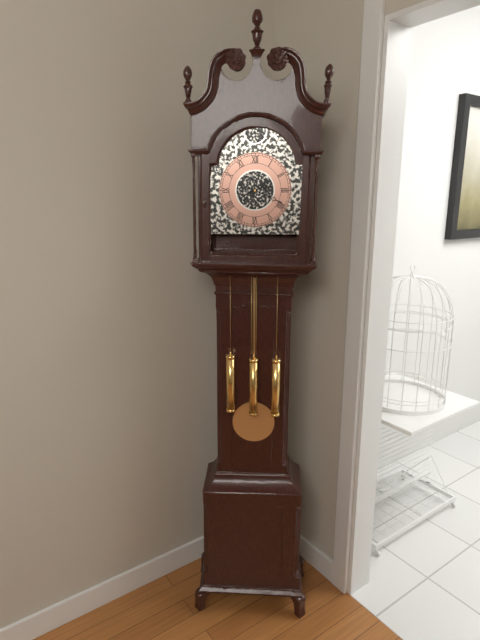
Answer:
{"hour": 2, "minute": 19}
